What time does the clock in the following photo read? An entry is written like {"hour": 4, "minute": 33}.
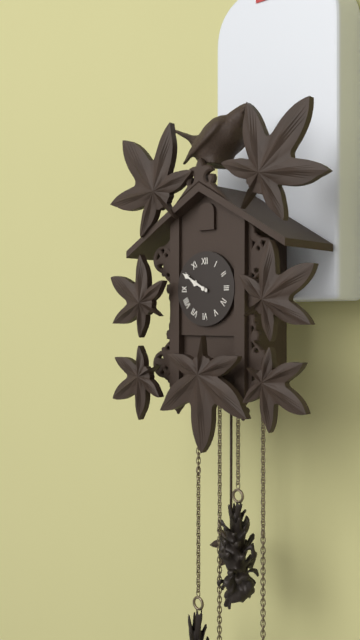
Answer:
{"hour": 9, "minute": 50}
